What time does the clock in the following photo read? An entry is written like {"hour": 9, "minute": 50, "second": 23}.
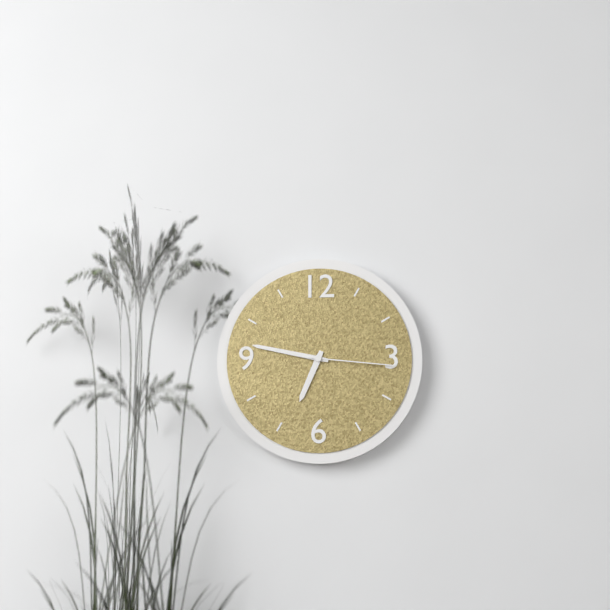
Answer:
{"hour": 6, "minute": 47, "second": 16}
